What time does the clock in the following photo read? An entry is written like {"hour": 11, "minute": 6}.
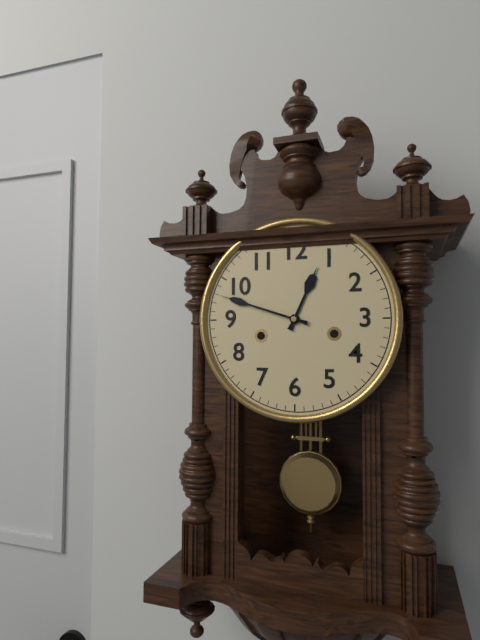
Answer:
{"hour": 12, "minute": 48}
